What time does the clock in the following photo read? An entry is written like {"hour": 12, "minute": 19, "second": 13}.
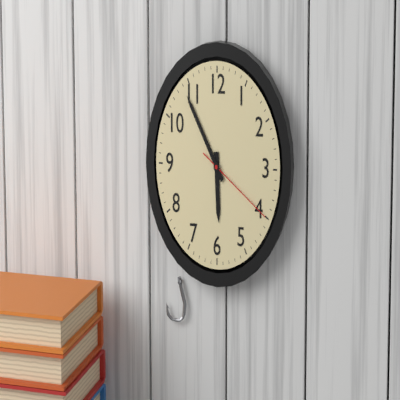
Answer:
{"hour": 5, "minute": 54, "second": 20}
